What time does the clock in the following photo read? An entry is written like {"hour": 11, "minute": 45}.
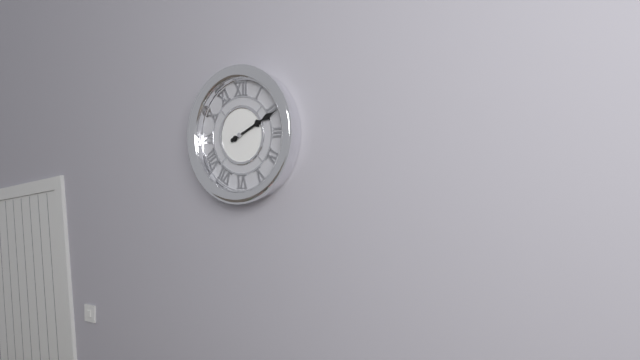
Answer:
{"hour": 2, "minute": 11}
